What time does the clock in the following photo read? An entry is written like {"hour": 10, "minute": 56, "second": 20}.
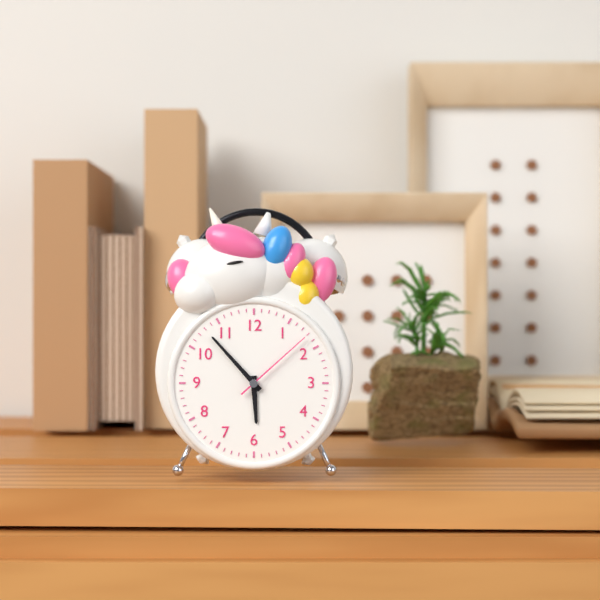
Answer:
{"hour": 5, "minute": 53, "second": 8}
